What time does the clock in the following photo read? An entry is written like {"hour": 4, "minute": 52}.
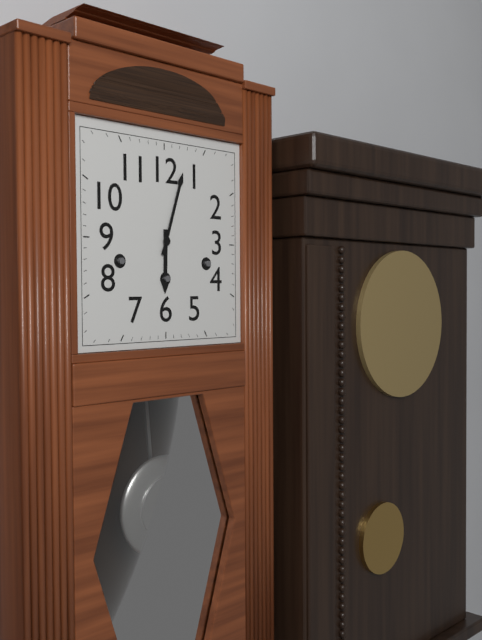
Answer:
{"hour": 6, "minute": 3}
